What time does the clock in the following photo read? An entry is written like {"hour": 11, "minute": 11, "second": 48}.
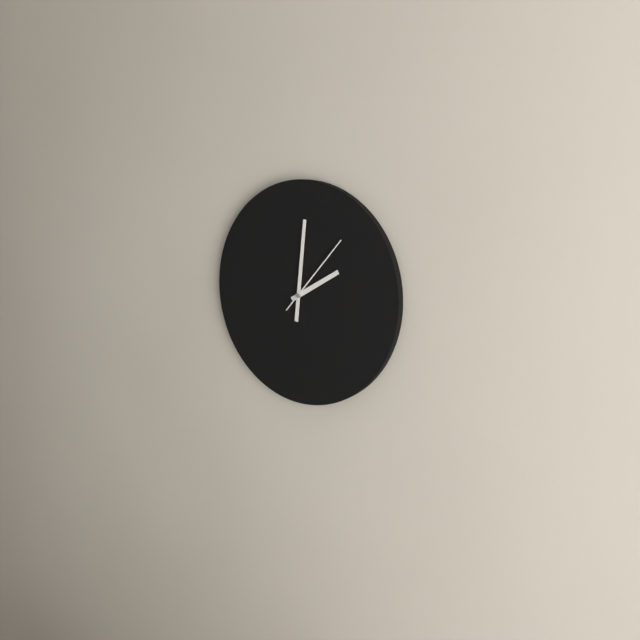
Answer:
{"hour": 2, "minute": 1, "second": 7}
